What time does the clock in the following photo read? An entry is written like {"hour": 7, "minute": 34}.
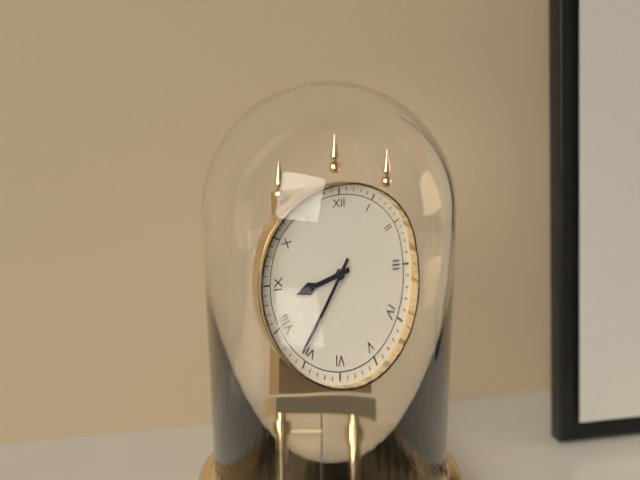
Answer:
{"hour": 8, "minute": 36}
